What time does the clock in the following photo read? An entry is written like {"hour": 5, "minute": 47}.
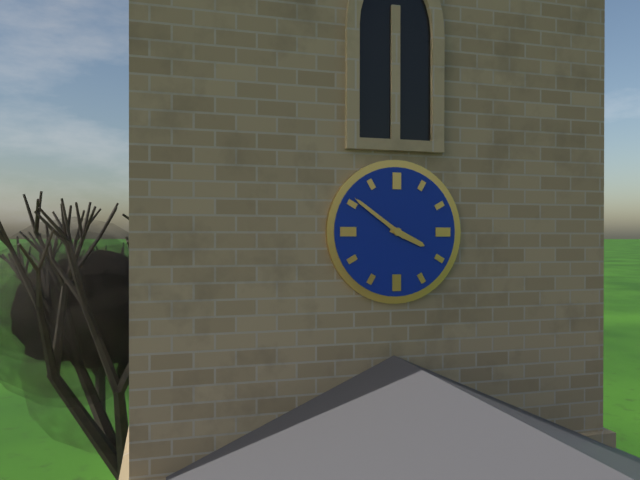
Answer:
{"hour": 3, "minute": 51}
